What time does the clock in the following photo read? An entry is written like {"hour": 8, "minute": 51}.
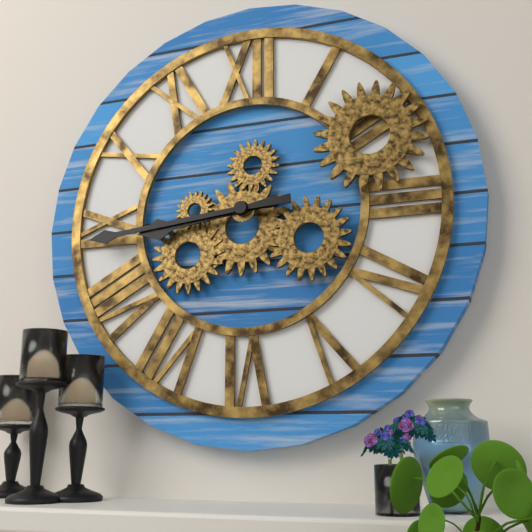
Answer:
{"hour": 8, "minute": 44}
